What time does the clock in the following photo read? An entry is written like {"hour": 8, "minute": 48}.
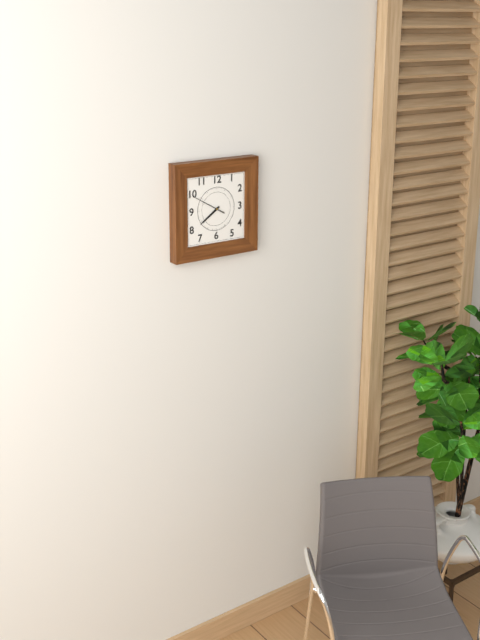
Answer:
{"hour": 7, "minute": 50}
